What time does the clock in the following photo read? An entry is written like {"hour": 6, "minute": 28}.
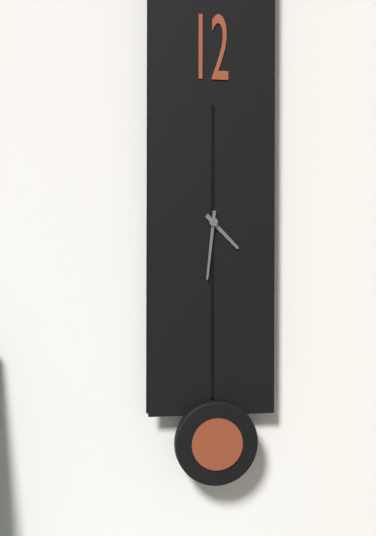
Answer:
{"hour": 4, "minute": 31}
